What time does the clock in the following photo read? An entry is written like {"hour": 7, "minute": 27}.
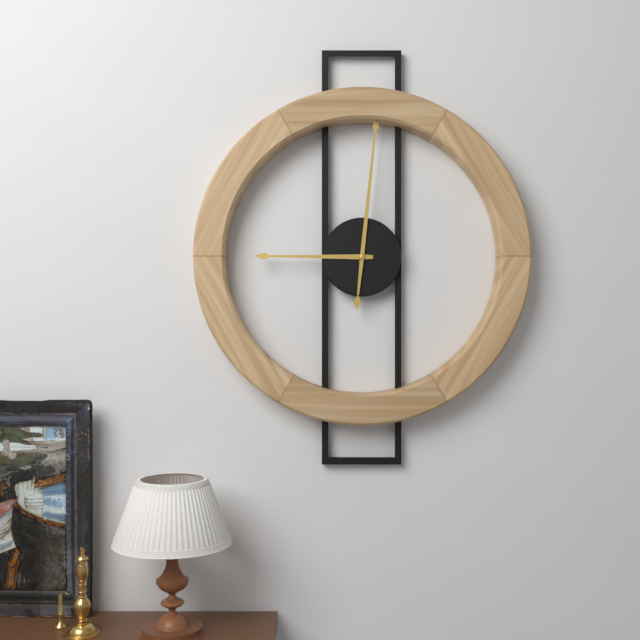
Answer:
{"hour": 9, "minute": 1}
